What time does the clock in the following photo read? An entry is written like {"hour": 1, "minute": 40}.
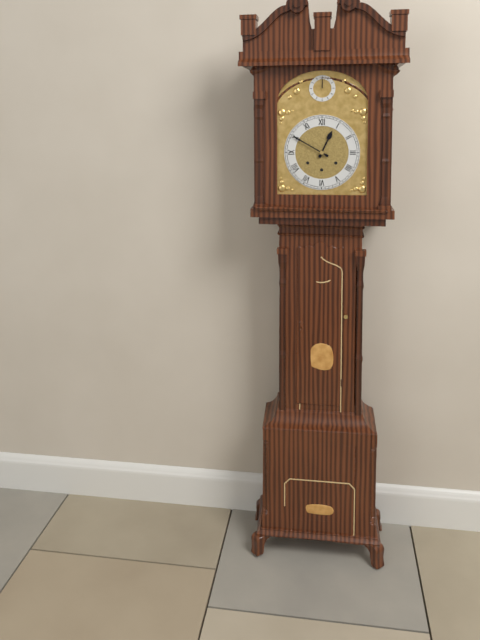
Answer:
{"hour": 12, "minute": 50}
